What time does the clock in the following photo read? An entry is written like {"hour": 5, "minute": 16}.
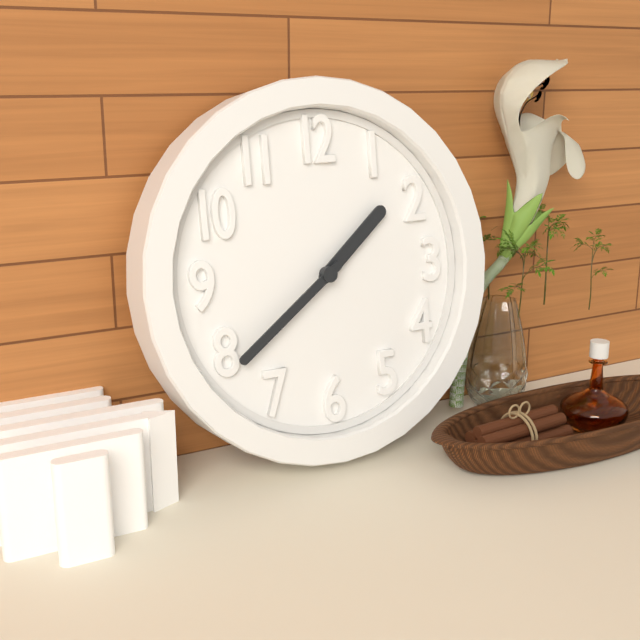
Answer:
{"hour": 1, "minute": 39}
